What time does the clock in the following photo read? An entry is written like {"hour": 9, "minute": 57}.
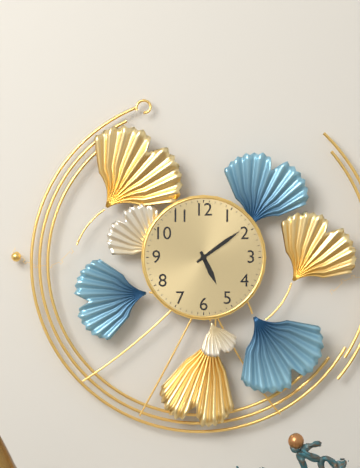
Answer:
{"hour": 5, "minute": 9}
